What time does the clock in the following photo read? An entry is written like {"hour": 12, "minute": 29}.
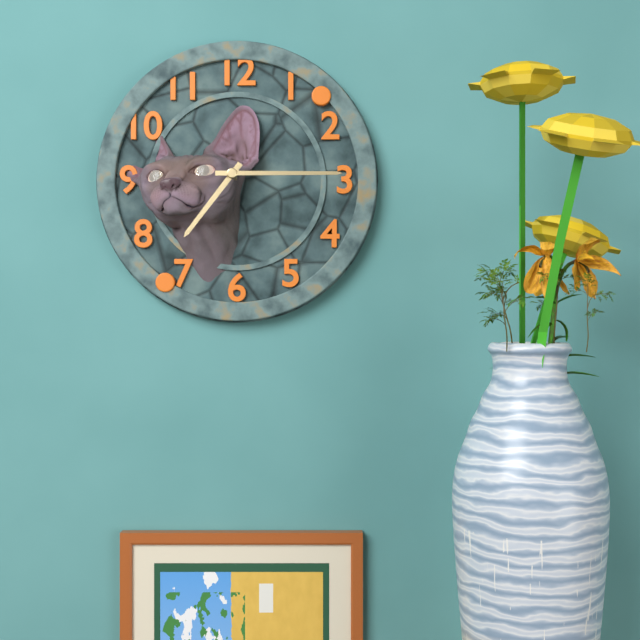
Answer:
{"hour": 7, "minute": 15}
